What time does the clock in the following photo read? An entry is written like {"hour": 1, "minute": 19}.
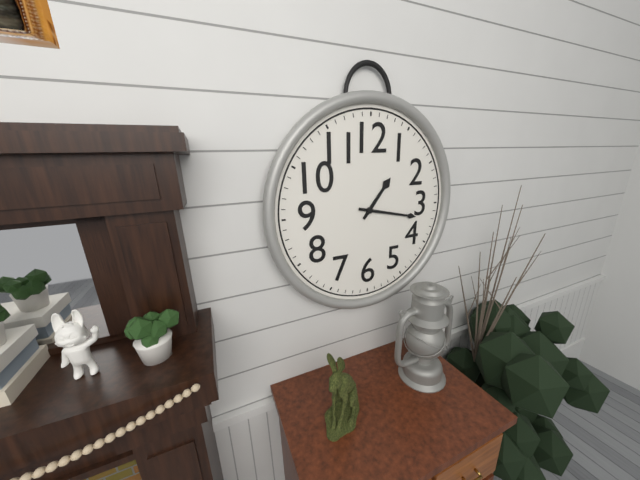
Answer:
{"hour": 1, "minute": 17}
